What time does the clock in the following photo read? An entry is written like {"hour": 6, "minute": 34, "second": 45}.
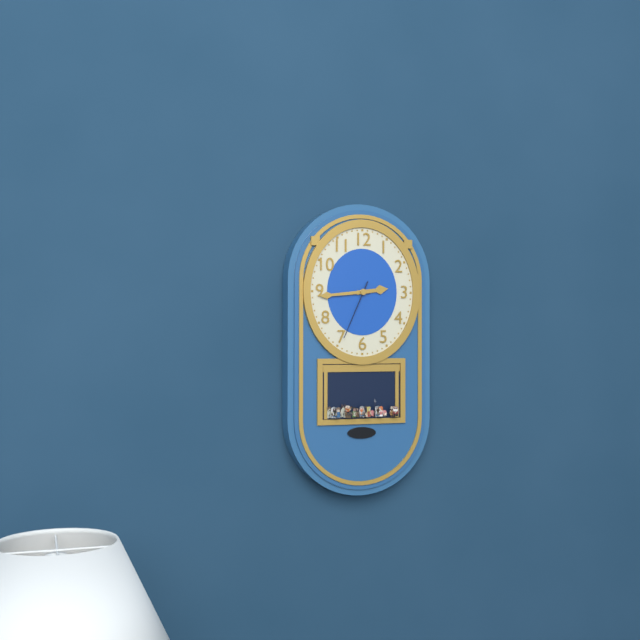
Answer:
{"hour": 2, "minute": 44, "second": 34}
